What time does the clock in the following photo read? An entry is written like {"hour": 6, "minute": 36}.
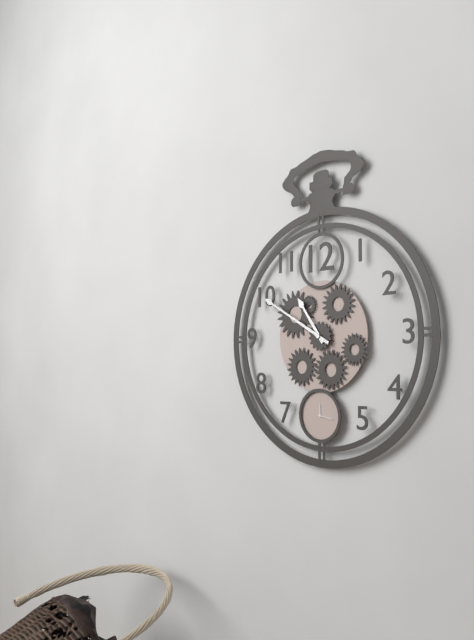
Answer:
{"hour": 10, "minute": 50}
